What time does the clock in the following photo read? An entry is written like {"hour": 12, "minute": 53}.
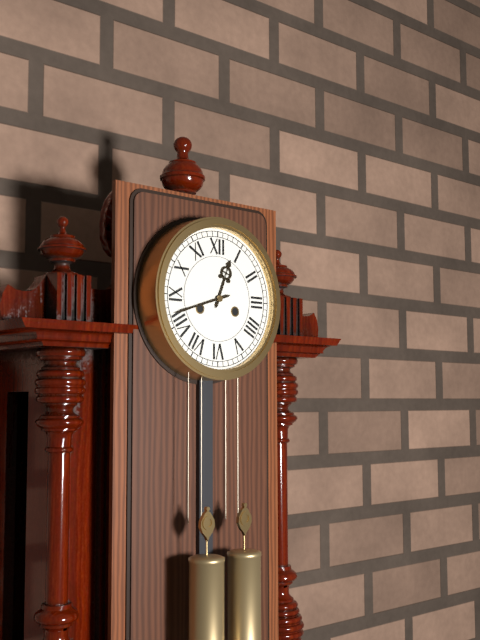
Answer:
{"hour": 12, "minute": 42}
